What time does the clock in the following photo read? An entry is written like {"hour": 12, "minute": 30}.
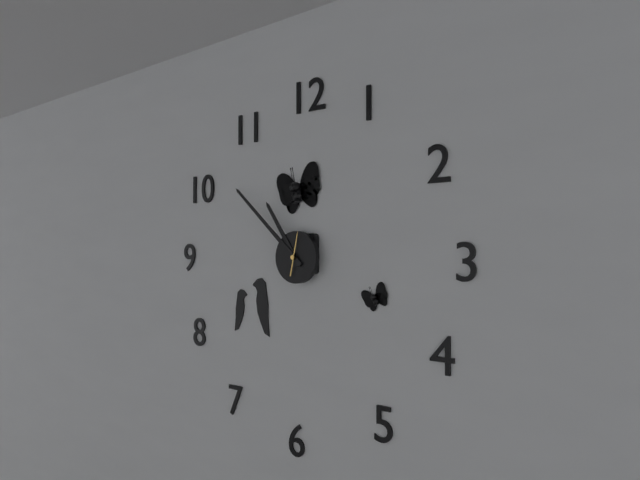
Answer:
{"hour": 10, "minute": 52}
